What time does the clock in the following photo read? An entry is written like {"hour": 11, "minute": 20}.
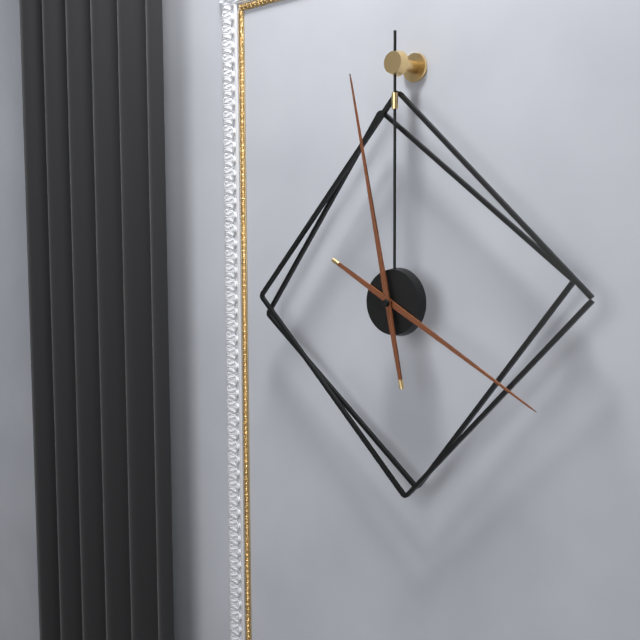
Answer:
{"hour": 3, "minute": 58}
